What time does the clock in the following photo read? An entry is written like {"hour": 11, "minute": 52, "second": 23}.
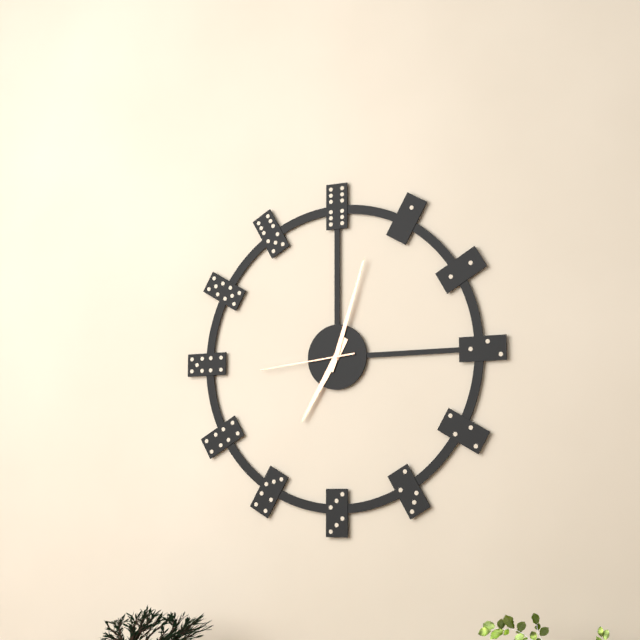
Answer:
{"hour": 7, "minute": 3, "second": 44}
